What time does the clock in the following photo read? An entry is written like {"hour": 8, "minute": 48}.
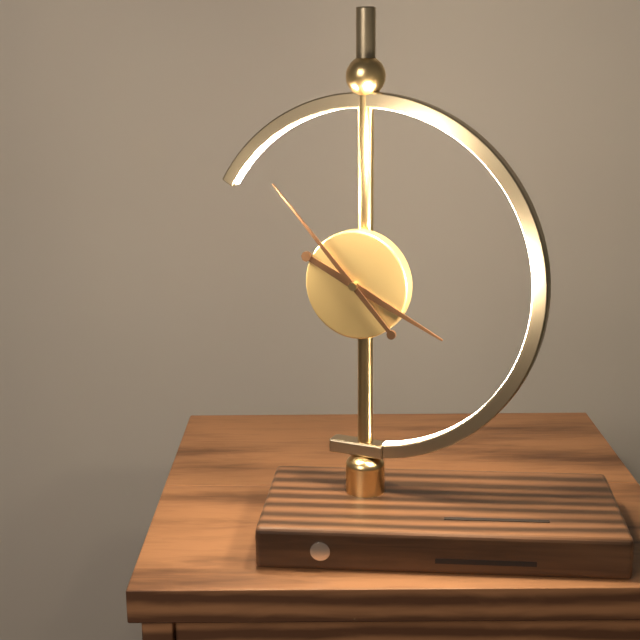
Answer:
{"hour": 3, "minute": 53}
